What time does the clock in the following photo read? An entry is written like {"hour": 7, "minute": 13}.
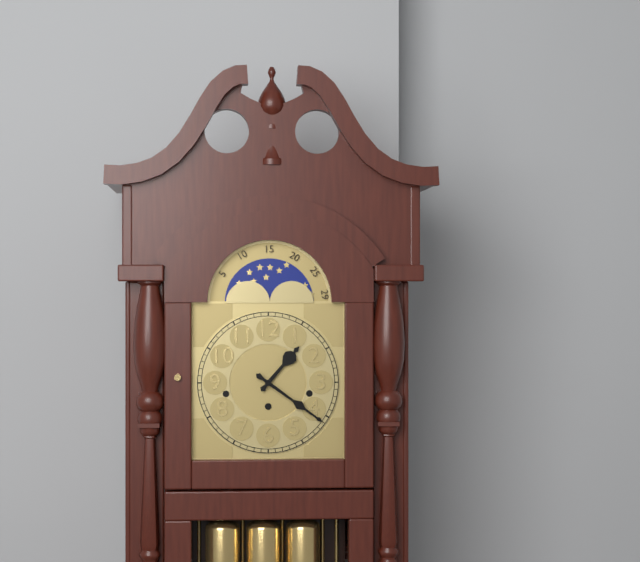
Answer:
{"hour": 1, "minute": 21}
